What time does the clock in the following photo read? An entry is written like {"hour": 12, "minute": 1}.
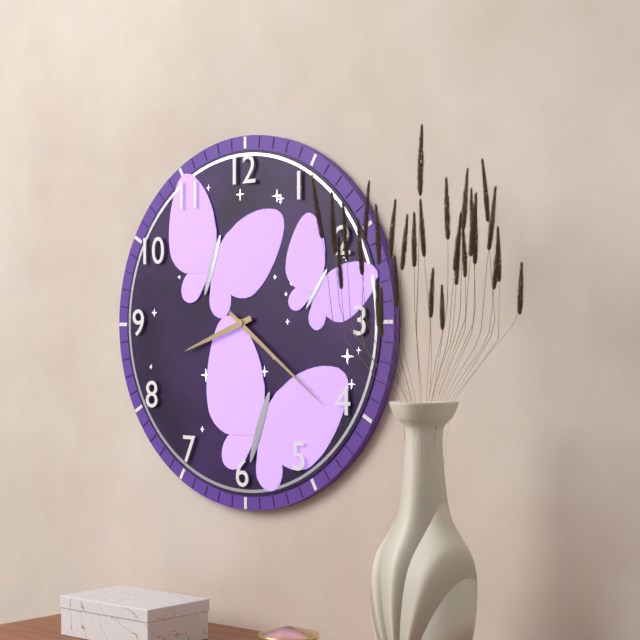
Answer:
{"hour": 8, "minute": 21}
